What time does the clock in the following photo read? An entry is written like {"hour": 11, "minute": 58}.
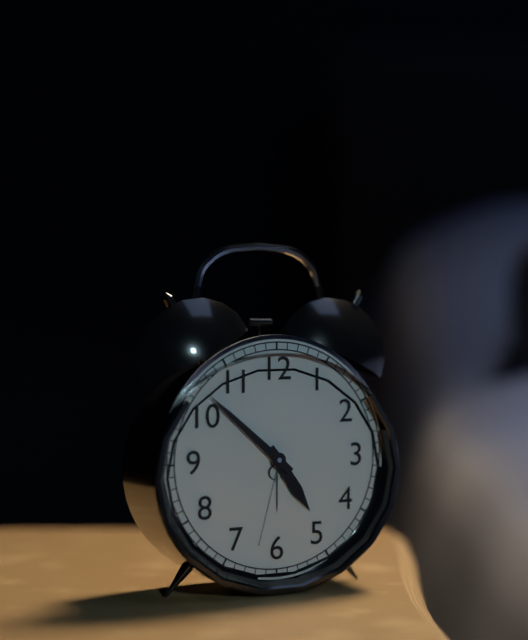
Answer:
{"hour": 4, "minute": 52}
